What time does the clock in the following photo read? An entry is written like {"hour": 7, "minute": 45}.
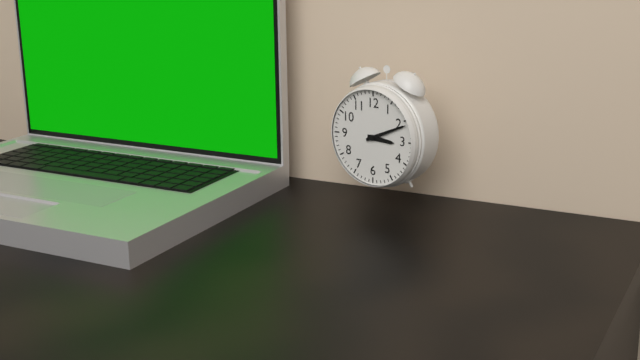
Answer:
{"hour": 3, "minute": 11}
